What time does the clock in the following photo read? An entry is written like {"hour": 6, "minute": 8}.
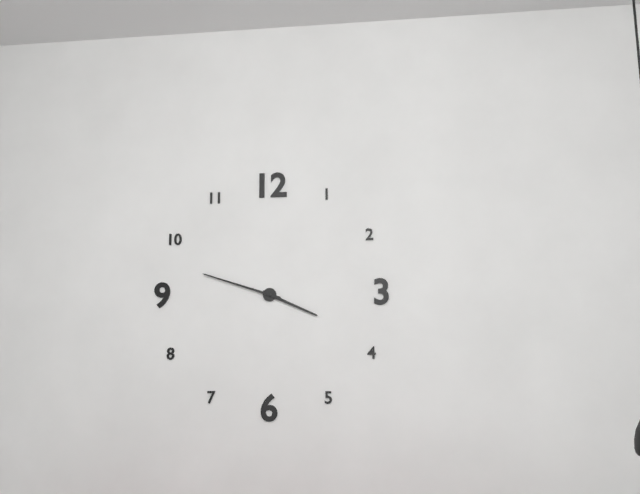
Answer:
{"hour": 3, "minute": 48}
